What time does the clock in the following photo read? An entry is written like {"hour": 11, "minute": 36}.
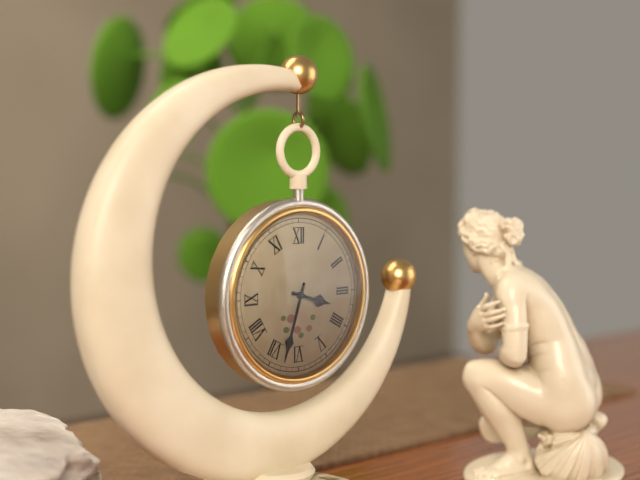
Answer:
{"hour": 3, "minute": 33}
